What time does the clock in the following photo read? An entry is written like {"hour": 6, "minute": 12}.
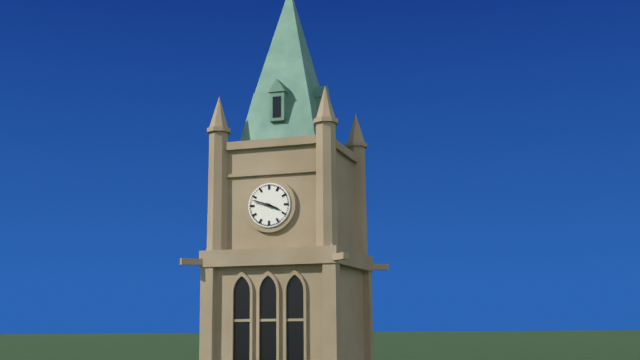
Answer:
{"hour": 3, "minute": 48}
